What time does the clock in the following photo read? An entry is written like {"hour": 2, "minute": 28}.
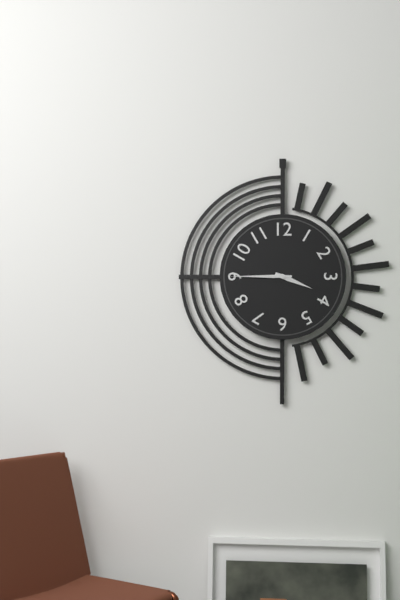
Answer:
{"hour": 3, "minute": 45}
